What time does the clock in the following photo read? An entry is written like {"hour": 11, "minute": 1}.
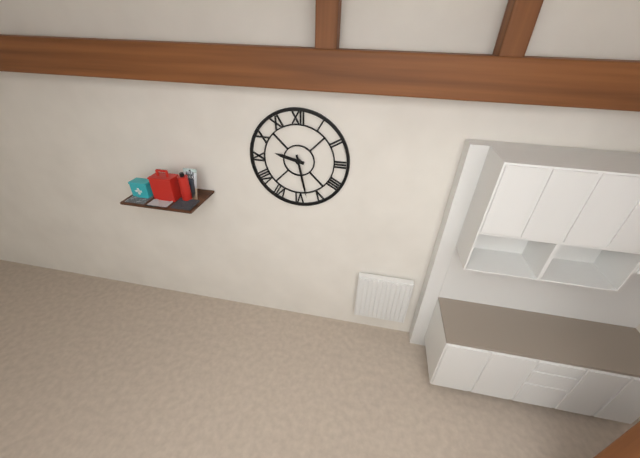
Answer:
{"hour": 9, "minute": 28}
